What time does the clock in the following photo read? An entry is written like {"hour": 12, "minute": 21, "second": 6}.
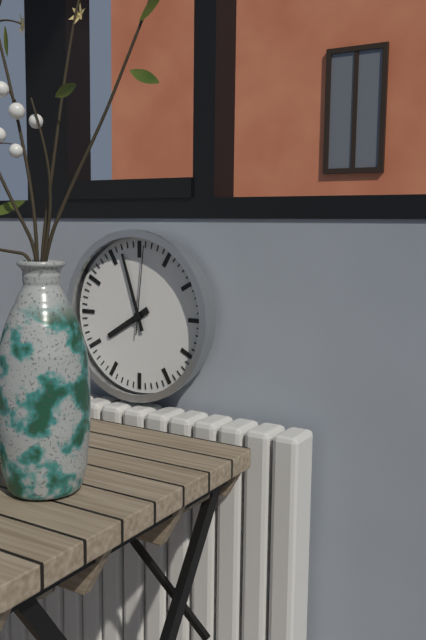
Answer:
{"hour": 7, "minute": 57, "second": 1}
